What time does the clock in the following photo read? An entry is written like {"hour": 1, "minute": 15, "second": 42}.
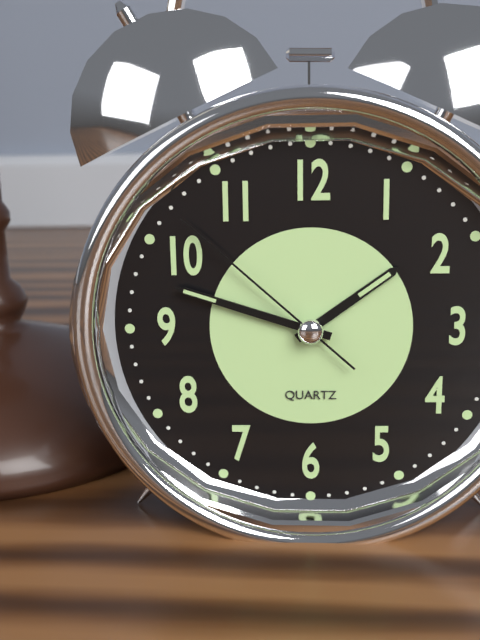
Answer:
{"hour": 1, "minute": 48, "second": 52}
